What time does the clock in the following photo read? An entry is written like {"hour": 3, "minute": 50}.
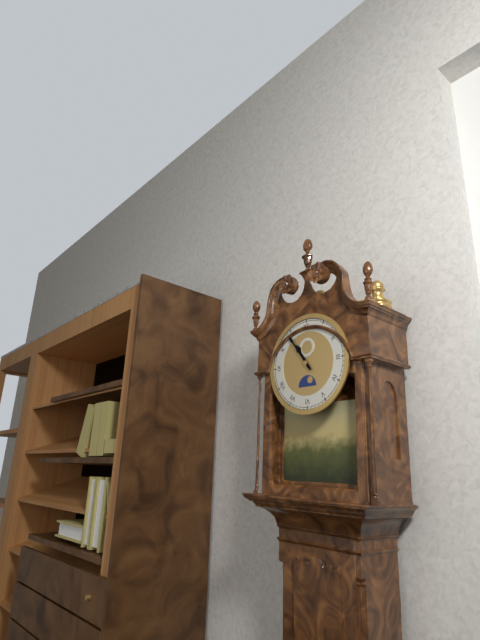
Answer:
{"hour": 10, "minute": 54}
